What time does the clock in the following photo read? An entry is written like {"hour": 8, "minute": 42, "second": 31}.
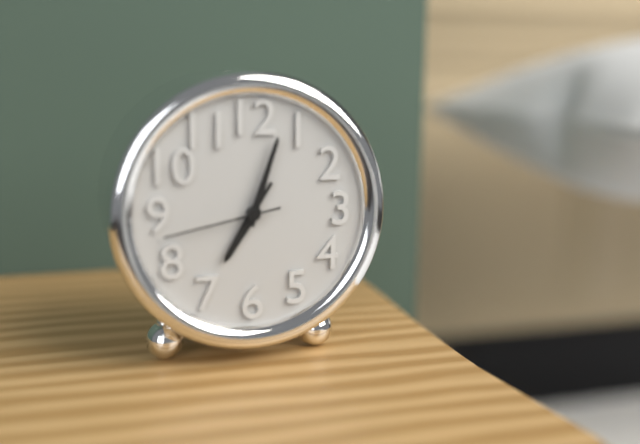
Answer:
{"hour": 7, "minute": 3, "second": 43}
